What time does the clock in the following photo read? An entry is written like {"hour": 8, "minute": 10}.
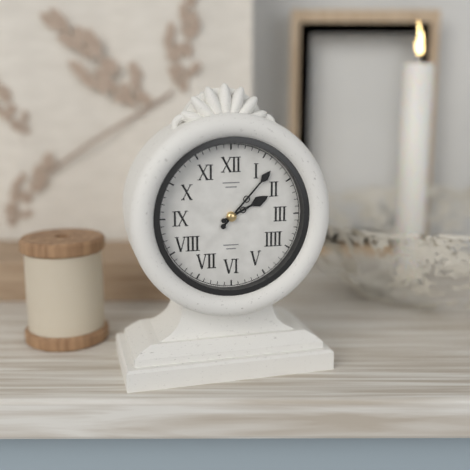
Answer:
{"hour": 2, "minute": 7}
